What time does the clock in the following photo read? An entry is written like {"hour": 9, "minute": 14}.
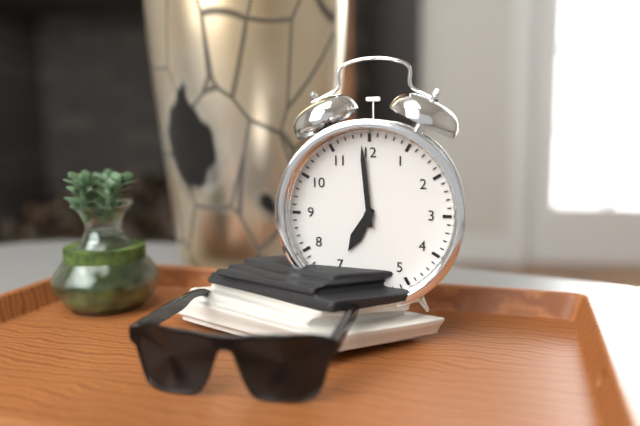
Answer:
{"hour": 6, "minute": 59}
